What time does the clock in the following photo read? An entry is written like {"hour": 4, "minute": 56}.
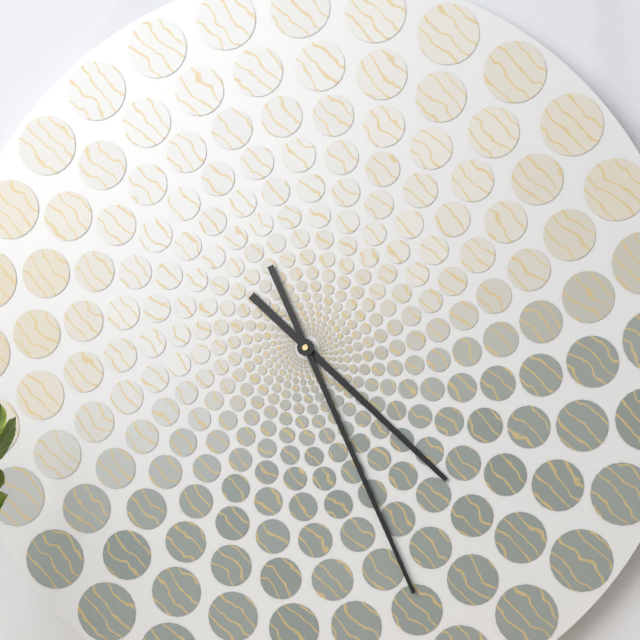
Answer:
{"hour": 4, "minute": 26}
